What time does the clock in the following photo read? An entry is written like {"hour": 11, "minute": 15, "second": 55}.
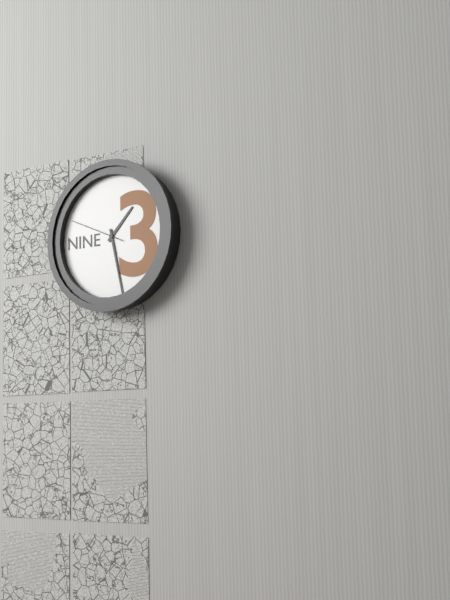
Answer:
{"hour": 1, "minute": 28, "second": 49}
